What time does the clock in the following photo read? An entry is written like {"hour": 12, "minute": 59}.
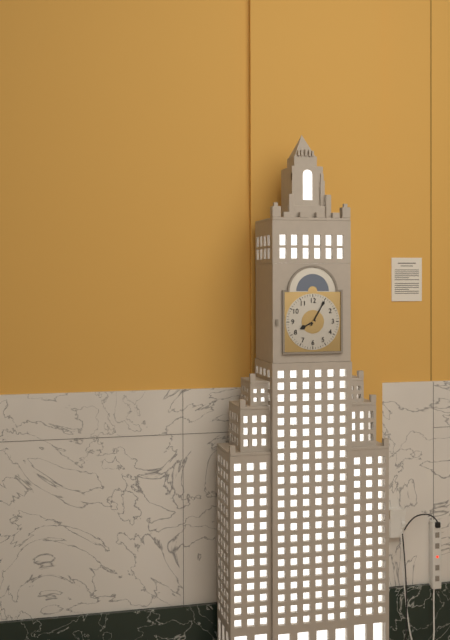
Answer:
{"hour": 8, "minute": 5}
